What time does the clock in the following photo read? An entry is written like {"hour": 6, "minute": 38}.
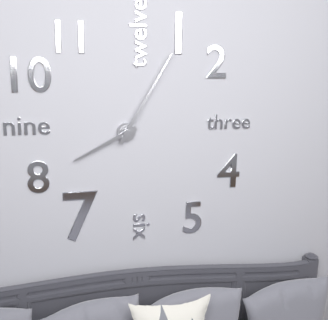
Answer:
{"hour": 8, "minute": 5}
